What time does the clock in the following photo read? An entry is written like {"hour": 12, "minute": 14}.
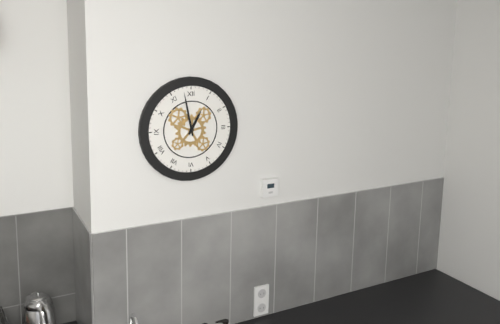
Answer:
{"hour": 12, "minute": 58}
